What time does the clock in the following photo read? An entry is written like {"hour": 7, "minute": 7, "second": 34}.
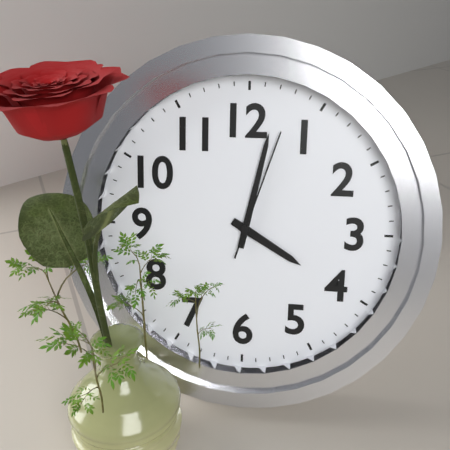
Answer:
{"hour": 4, "minute": 2, "second": 3}
